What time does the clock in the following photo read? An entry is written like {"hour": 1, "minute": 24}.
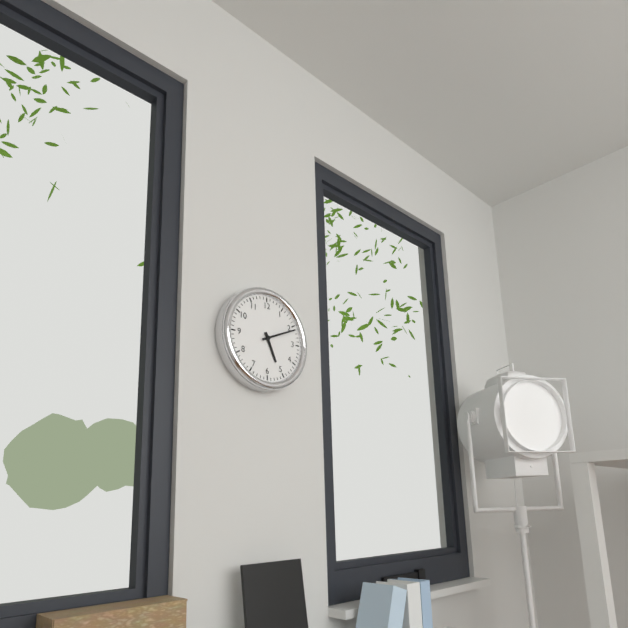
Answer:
{"hour": 5, "minute": 11}
